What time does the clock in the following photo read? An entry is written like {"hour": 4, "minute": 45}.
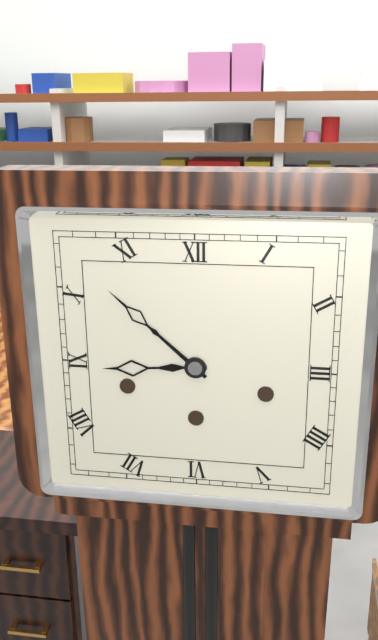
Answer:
{"hour": 8, "minute": 52}
